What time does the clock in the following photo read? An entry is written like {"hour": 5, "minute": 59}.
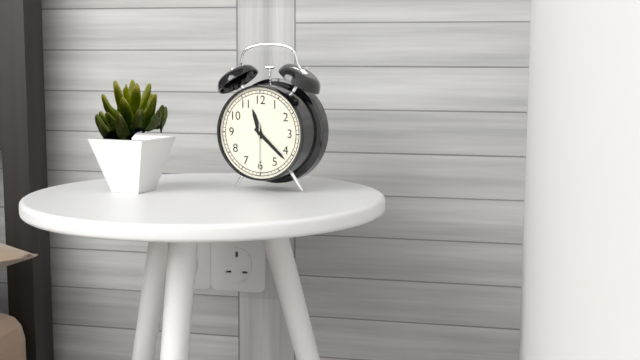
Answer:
{"hour": 11, "minute": 22}
